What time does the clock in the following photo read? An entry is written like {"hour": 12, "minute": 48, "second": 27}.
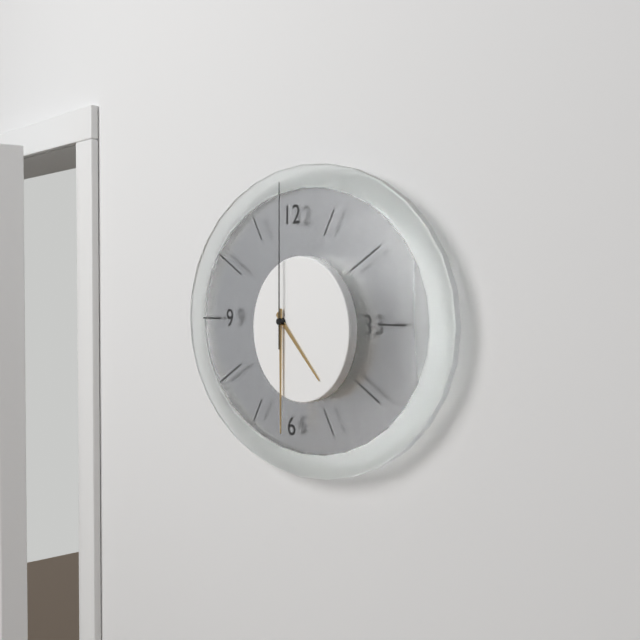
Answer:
{"hour": 4, "minute": 30, "second": 0}
